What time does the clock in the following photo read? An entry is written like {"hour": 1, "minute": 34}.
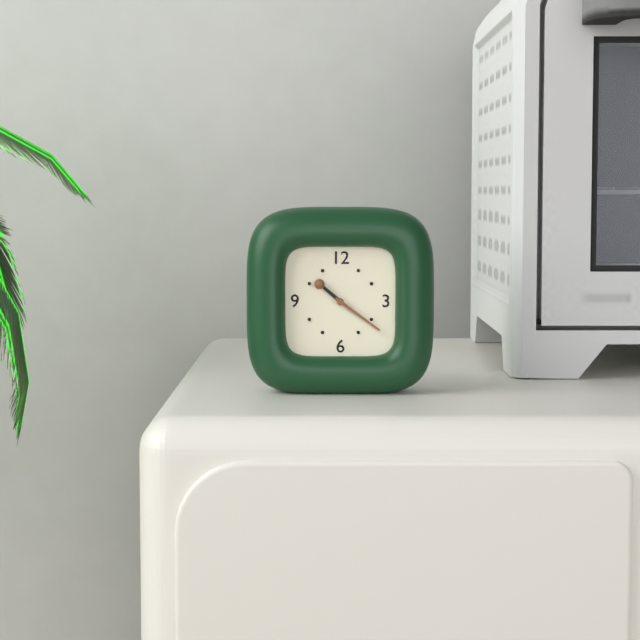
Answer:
{"hour": 10, "minute": 21}
